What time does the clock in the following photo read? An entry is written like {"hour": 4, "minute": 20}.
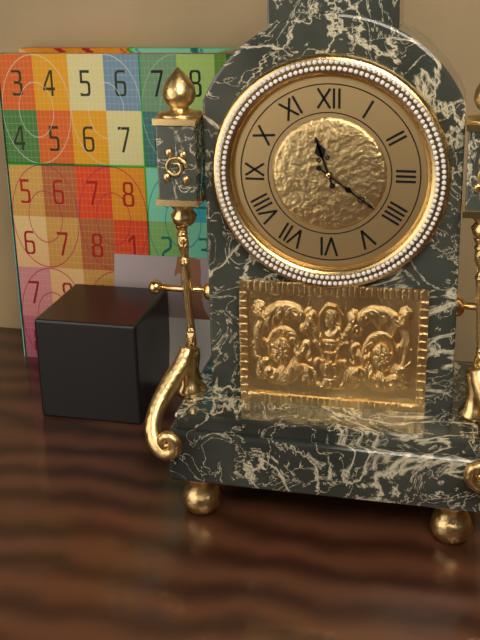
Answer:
{"hour": 11, "minute": 21}
